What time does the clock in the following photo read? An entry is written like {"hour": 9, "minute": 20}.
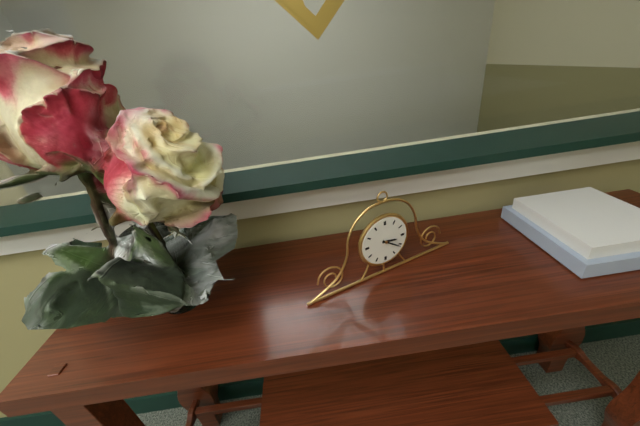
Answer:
{"hour": 3, "minute": 21}
